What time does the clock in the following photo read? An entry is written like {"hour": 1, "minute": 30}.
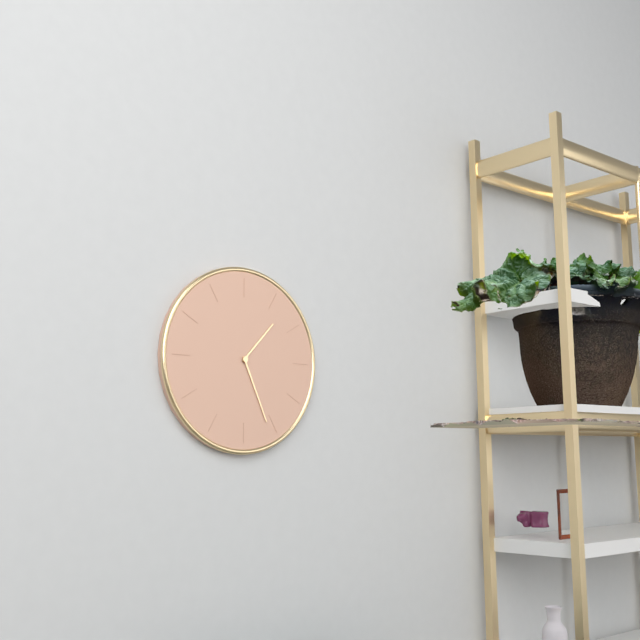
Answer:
{"hour": 1, "minute": 26}
